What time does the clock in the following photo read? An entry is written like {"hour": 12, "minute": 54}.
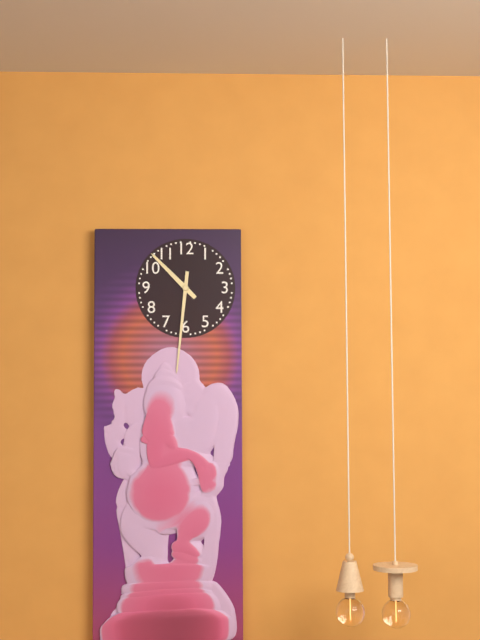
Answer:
{"hour": 10, "minute": 31}
